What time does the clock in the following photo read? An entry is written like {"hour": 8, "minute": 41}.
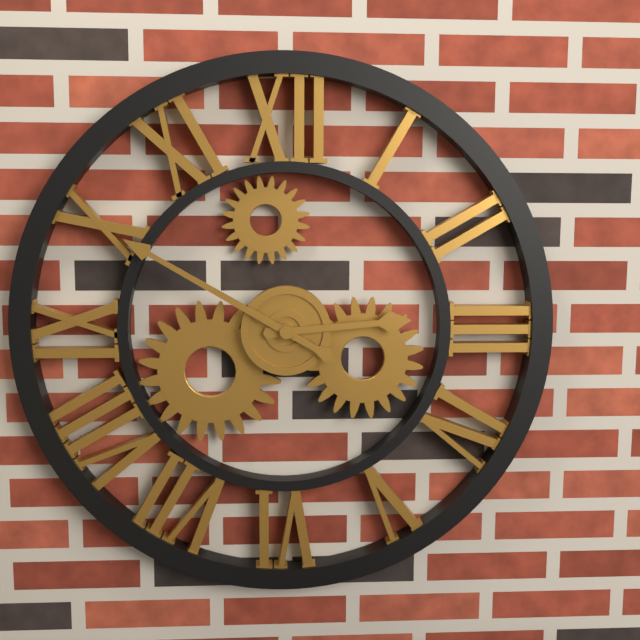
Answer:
{"hour": 2, "minute": 50}
